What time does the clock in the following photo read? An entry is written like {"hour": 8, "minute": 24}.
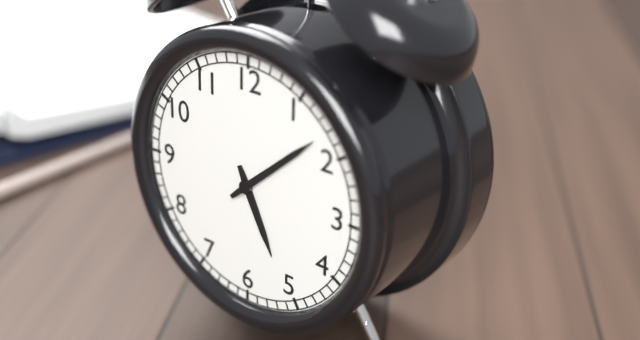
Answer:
{"hour": 5, "minute": 8}
